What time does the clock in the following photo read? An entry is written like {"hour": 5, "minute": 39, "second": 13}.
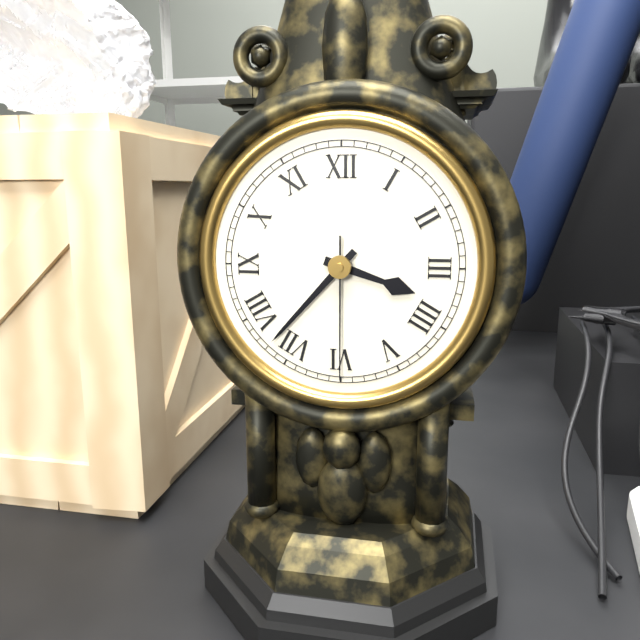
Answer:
{"hour": 3, "minute": 37, "second": 30}
